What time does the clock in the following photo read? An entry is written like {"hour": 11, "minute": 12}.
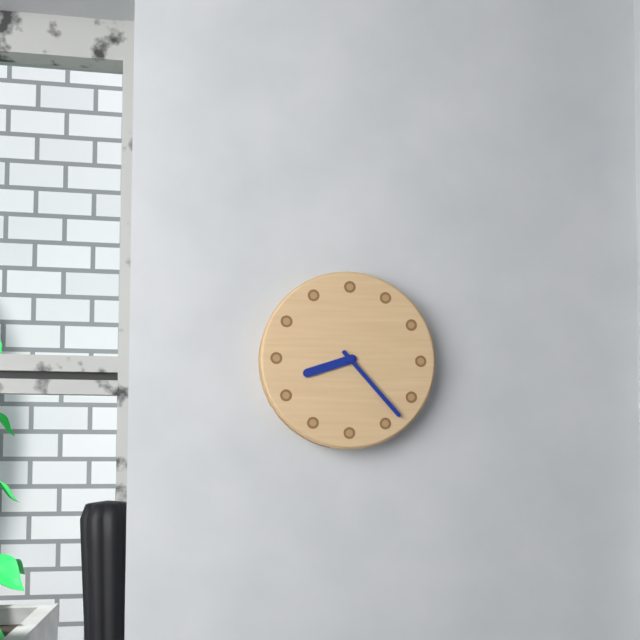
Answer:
{"hour": 8, "minute": 23}
